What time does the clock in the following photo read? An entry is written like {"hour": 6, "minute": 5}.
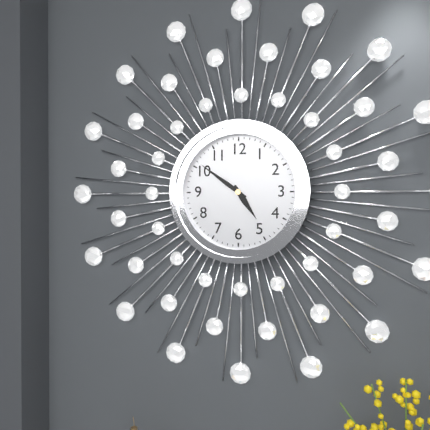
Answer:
{"hour": 4, "minute": 51}
